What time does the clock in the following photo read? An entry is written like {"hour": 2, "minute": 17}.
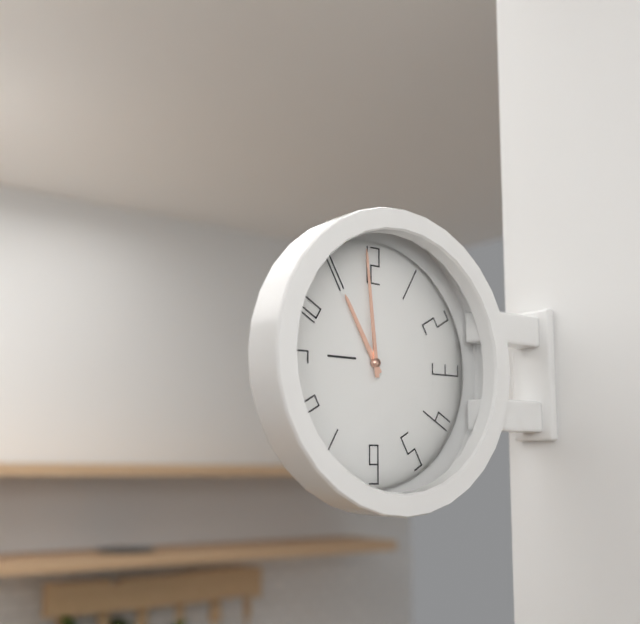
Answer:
{"hour": 10, "minute": 59}
